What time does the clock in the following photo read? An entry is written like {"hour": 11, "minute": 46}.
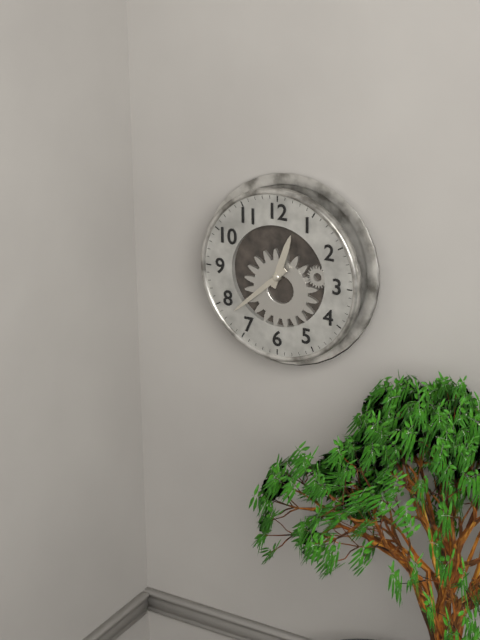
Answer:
{"hour": 12, "minute": 38}
